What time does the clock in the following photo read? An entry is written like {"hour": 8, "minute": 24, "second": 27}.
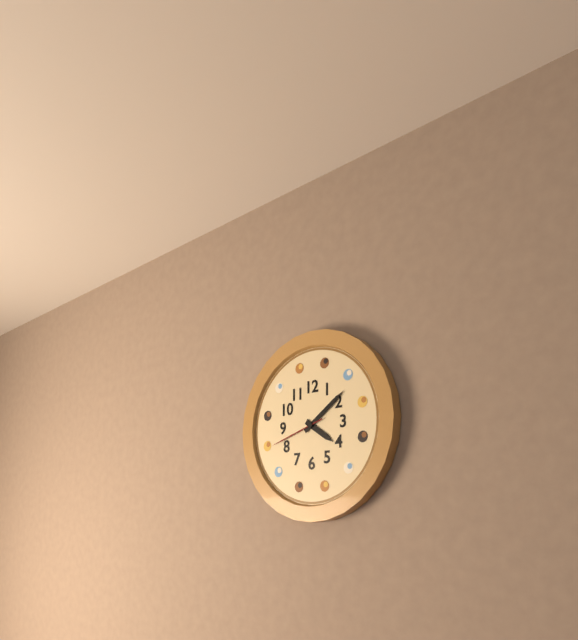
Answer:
{"hour": 4, "minute": 9, "second": 42}
